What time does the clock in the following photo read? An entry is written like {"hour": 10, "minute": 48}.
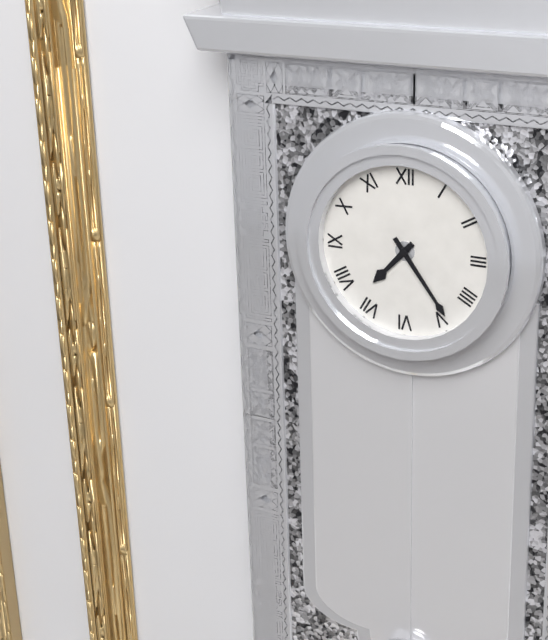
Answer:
{"hour": 7, "minute": 24}
